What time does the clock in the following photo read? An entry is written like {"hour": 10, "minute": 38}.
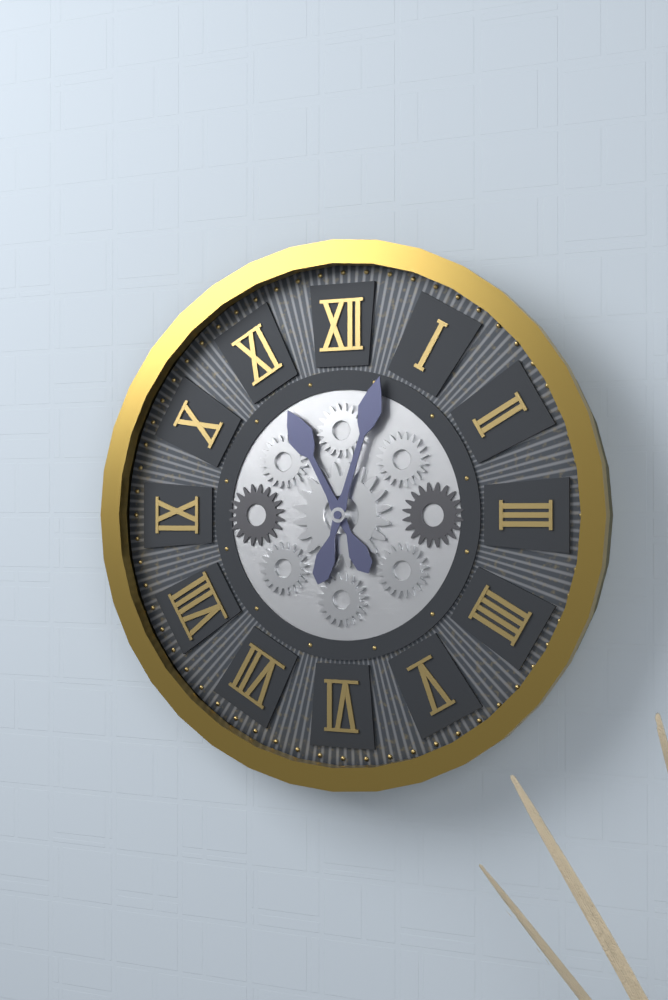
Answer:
{"hour": 11, "minute": 3}
